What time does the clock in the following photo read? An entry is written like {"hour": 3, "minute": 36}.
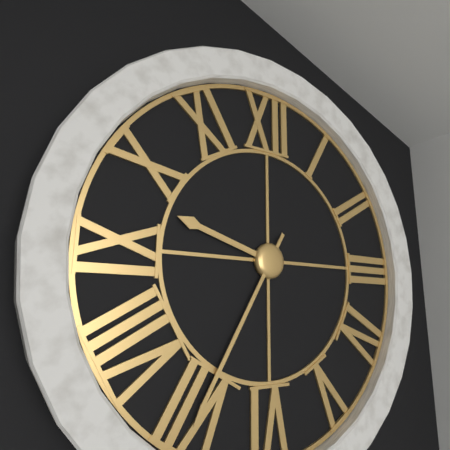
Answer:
{"hour": 9, "minute": 35}
